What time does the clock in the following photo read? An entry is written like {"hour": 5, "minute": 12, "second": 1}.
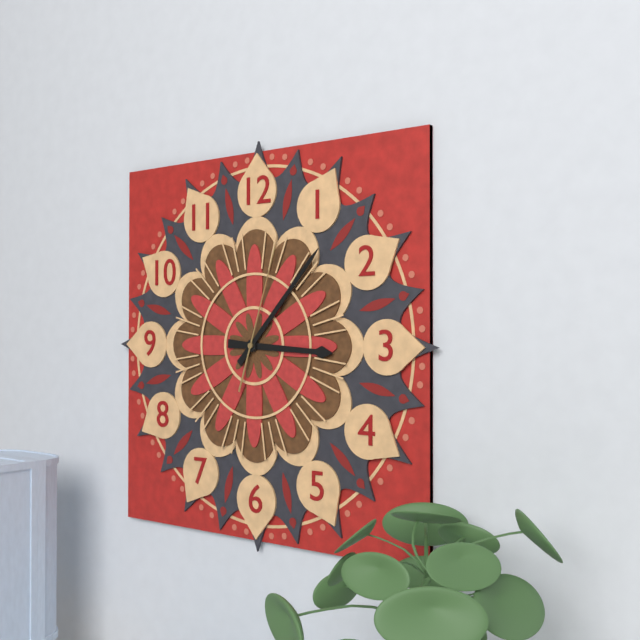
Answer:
{"hour": 3, "minute": 7, "second": 3}
